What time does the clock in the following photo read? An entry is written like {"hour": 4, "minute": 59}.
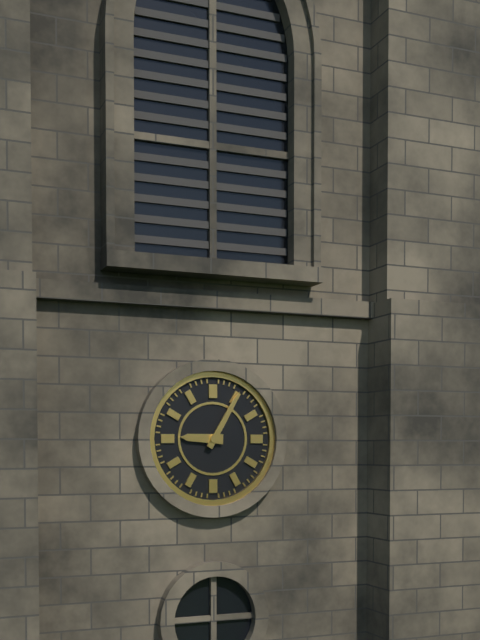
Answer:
{"hour": 9, "minute": 5}
